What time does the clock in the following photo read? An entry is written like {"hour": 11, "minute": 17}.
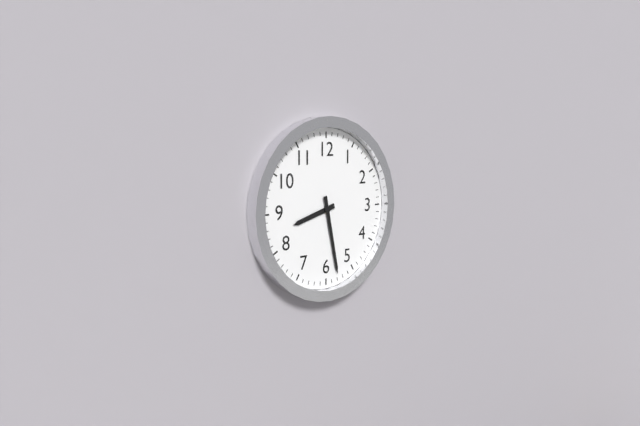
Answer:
{"hour": 8, "minute": 28}
